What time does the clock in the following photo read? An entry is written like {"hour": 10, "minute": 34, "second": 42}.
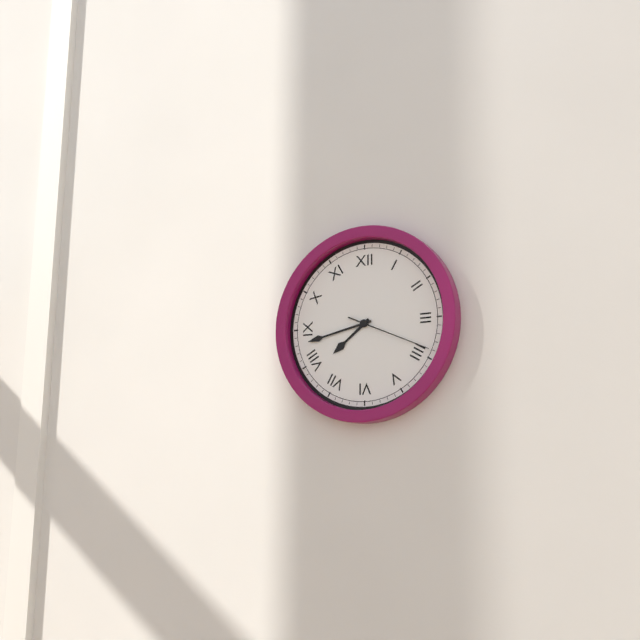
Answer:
{"hour": 7, "minute": 43, "second": 19}
